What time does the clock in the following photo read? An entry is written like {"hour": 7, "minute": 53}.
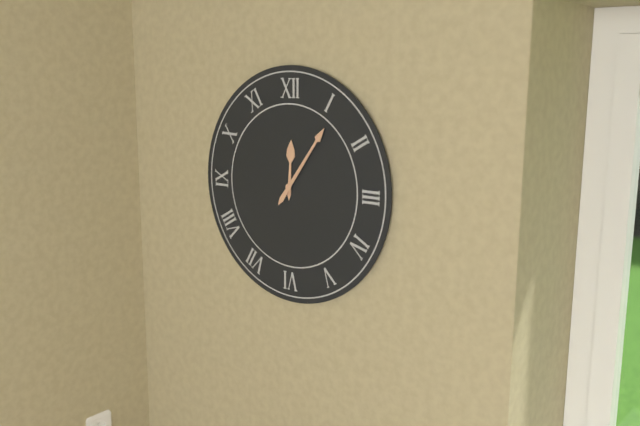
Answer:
{"hour": 12, "minute": 6}
